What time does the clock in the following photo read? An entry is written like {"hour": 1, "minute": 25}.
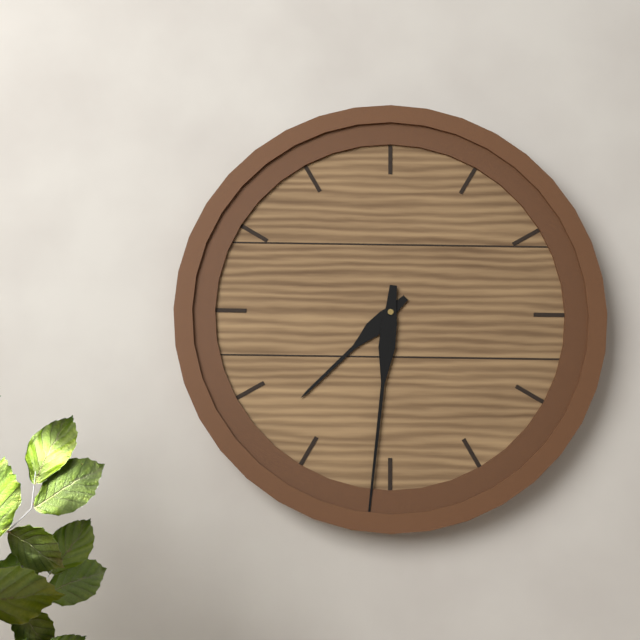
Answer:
{"hour": 7, "minute": 31}
